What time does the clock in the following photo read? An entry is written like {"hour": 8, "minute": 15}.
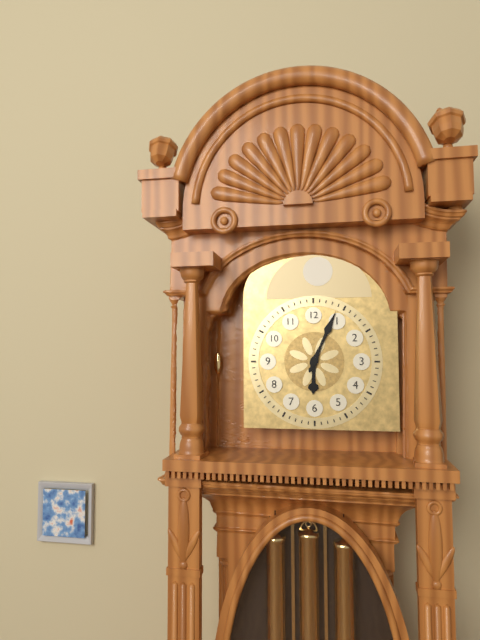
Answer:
{"hour": 6, "minute": 4}
